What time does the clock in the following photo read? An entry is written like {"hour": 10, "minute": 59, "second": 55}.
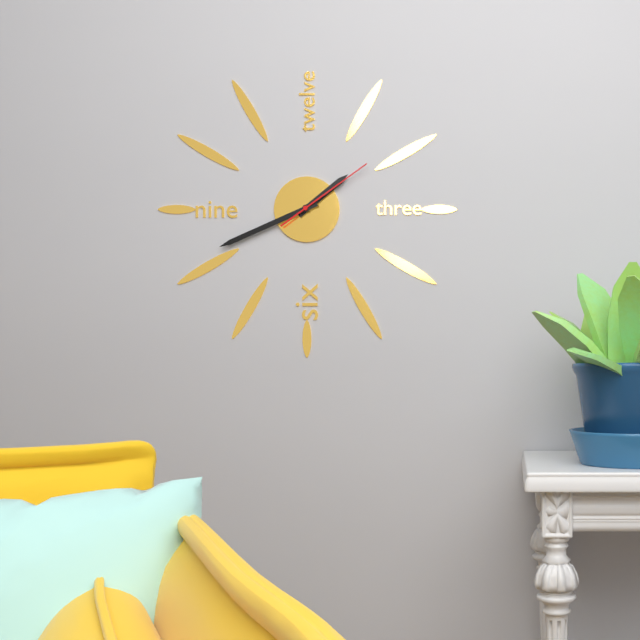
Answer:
{"hour": 1, "minute": 41, "second": 9}
